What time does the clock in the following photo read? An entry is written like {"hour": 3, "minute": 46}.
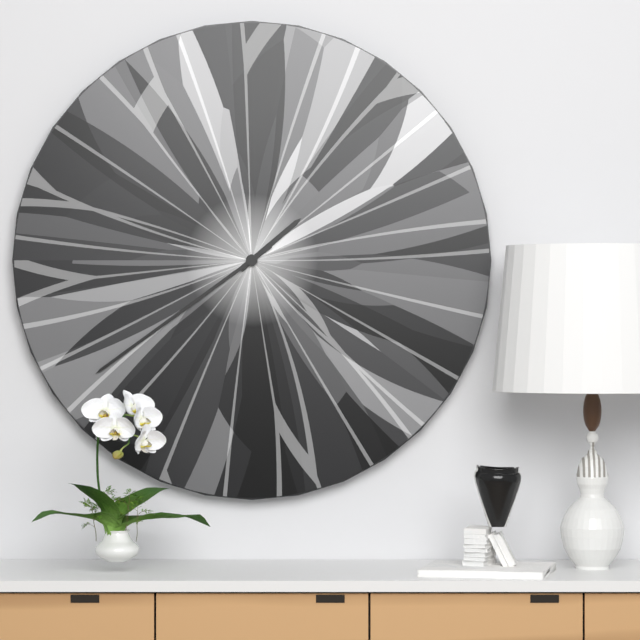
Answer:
{"hour": 1, "minute": 39}
